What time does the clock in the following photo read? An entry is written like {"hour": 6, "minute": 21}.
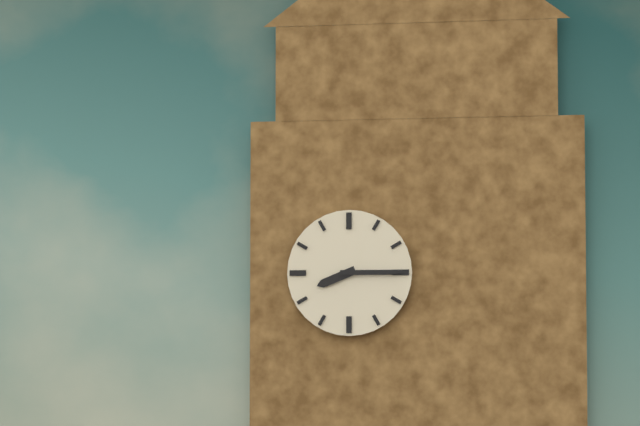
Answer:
{"hour": 8, "minute": 15}
